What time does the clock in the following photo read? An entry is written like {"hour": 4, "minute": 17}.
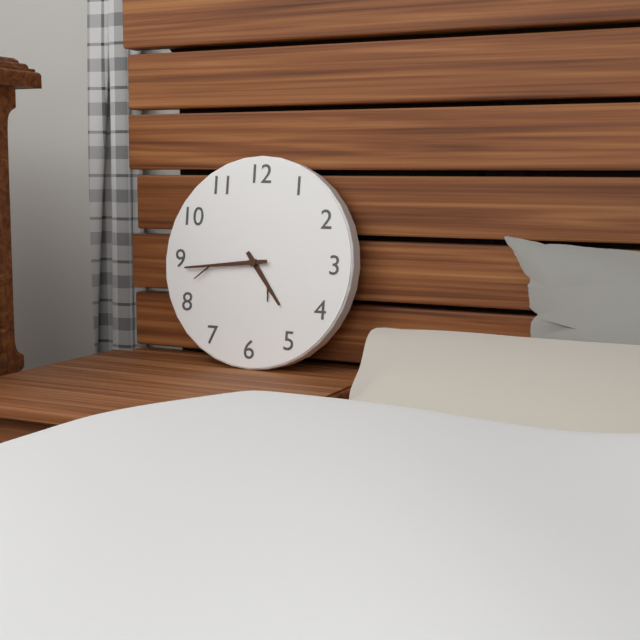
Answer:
{"hour": 4, "minute": 44}
